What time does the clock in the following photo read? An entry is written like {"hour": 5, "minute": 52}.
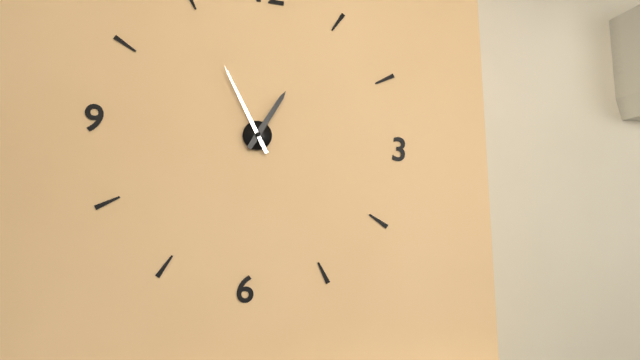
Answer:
{"hour": 12, "minute": 55}
